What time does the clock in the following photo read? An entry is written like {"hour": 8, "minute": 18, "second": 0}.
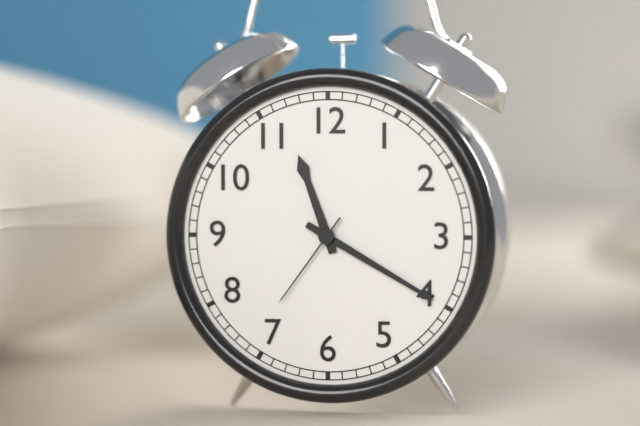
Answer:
{"hour": 11, "minute": 20, "second": 36}
